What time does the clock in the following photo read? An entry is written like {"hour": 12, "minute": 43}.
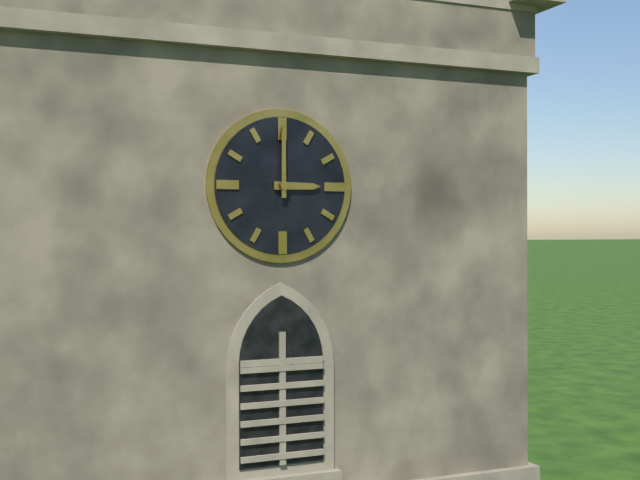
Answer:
{"hour": 3, "minute": 0}
